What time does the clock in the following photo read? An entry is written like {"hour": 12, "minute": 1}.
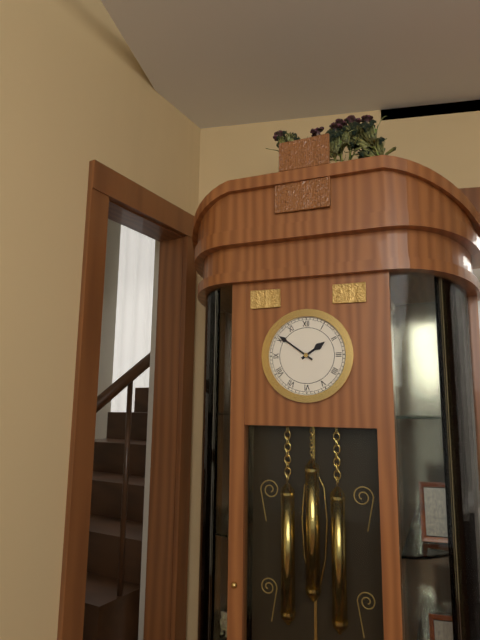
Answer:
{"hour": 1, "minute": 51}
